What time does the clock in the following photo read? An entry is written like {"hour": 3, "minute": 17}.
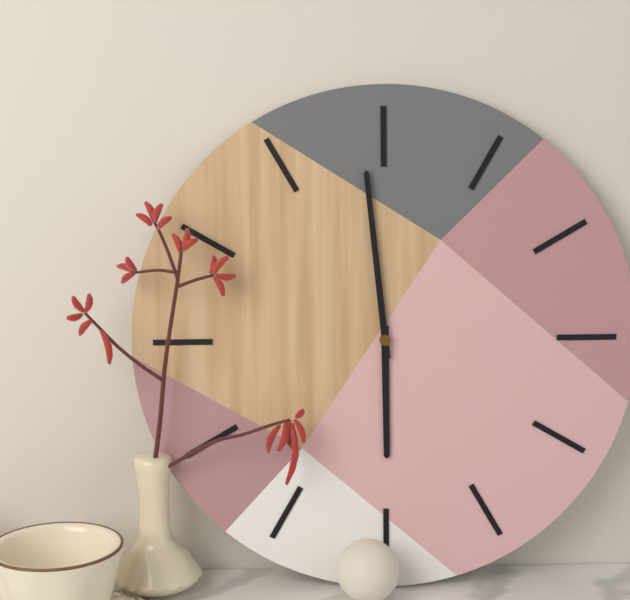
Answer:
{"hour": 5, "minute": 59}
